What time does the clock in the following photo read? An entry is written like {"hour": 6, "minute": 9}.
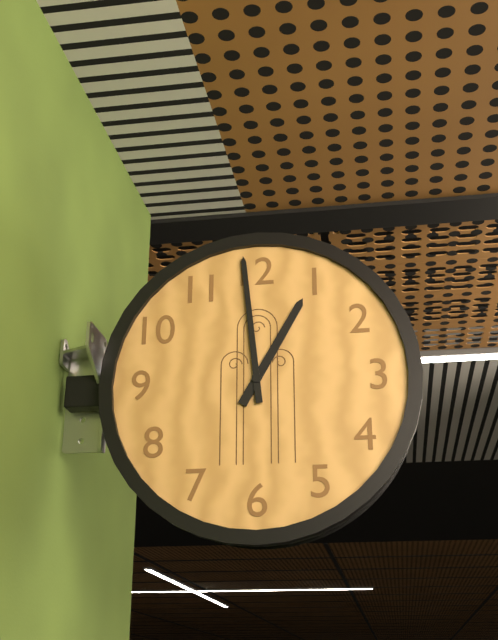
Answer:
{"hour": 12, "minute": 59}
